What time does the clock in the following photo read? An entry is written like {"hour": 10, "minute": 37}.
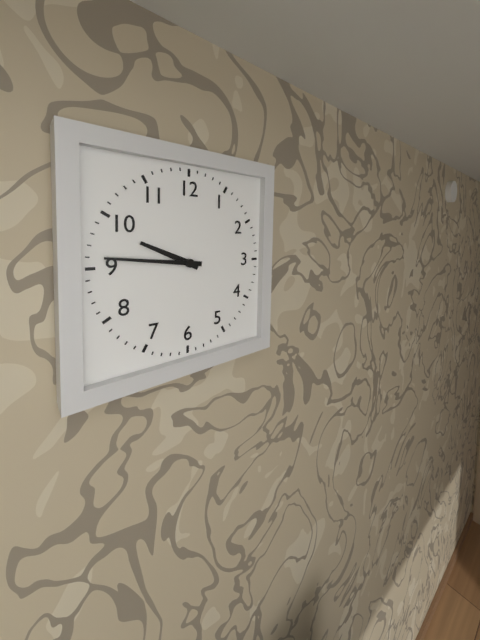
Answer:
{"hour": 9, "minute": 46}
